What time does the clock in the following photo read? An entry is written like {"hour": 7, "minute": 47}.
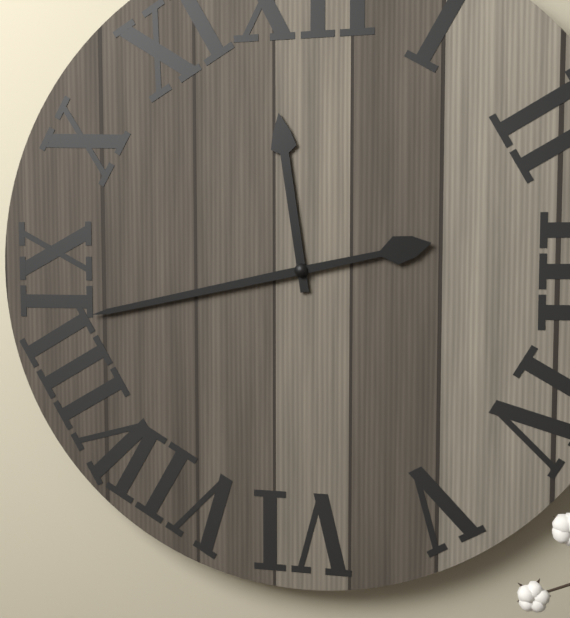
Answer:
{"hour": 11, "minute": 43}
